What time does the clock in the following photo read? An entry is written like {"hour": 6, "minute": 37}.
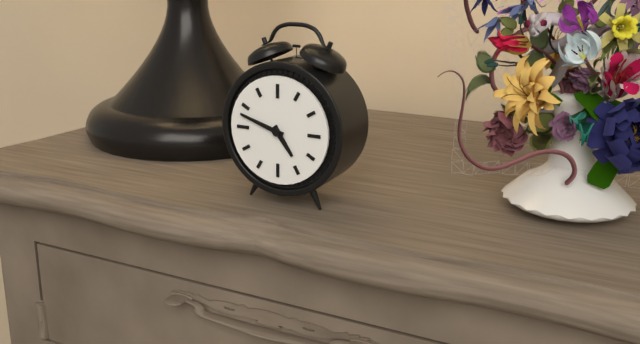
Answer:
{"hour": 4, "minute": 48}
